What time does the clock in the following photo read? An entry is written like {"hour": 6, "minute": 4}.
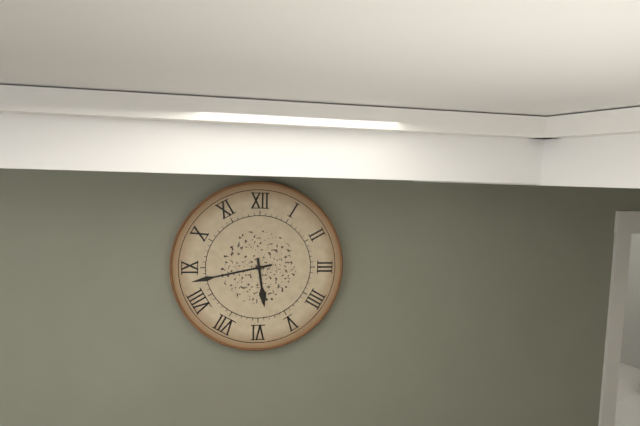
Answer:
{"hour": 5, "minute": 43}
